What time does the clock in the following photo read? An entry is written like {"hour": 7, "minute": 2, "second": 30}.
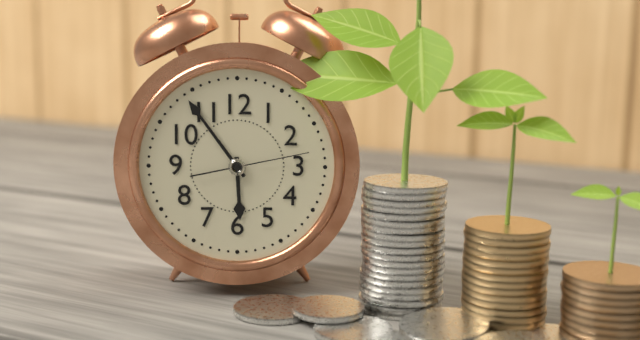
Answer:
{"hour": 5, "minute": 54, "second": 13}
